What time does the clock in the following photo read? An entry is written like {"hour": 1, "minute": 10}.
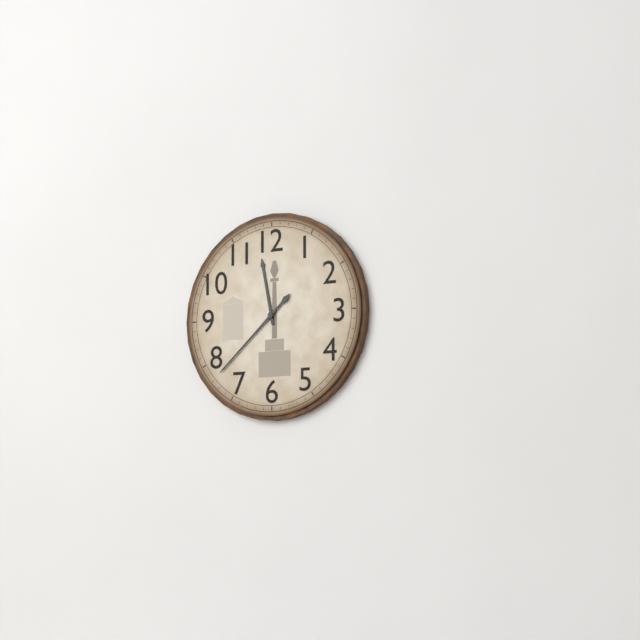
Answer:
{"hour": 11, "minute": 38}
